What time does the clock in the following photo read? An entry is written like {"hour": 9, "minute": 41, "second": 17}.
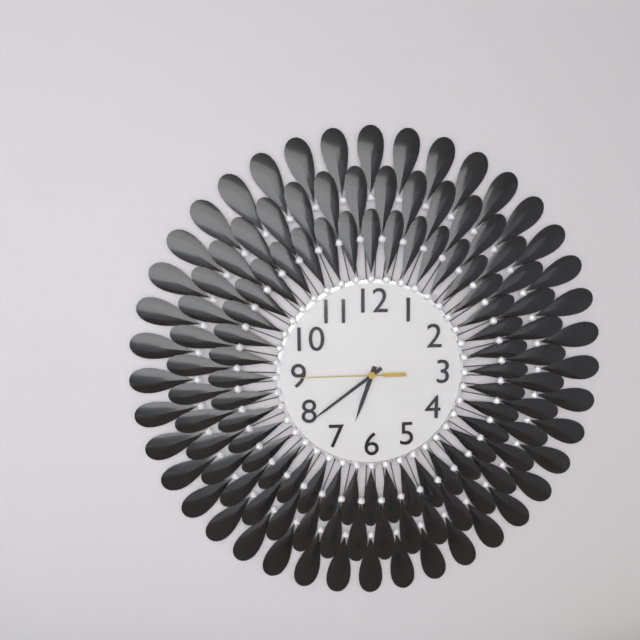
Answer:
{"hour": 6, "minute": 39, "second": 45}
